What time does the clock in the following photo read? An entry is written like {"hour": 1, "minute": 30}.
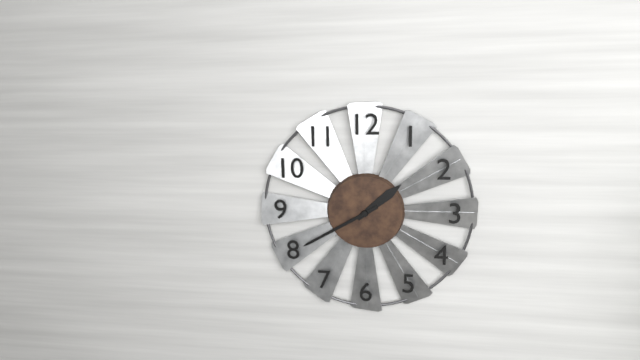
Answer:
{"hour": 1, "minute": 40}
